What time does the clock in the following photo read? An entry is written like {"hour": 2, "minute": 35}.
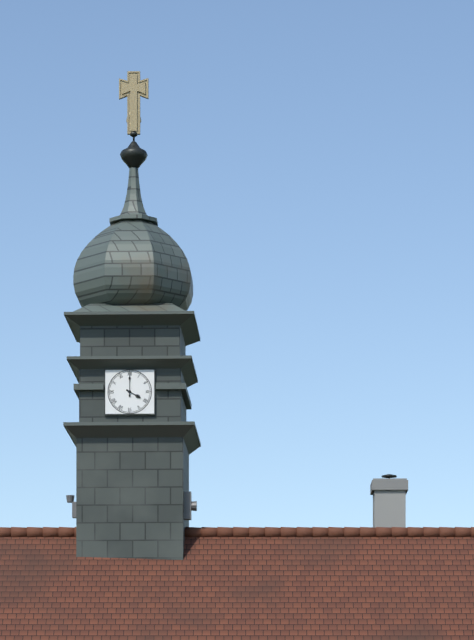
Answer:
{"hour": 4, "minute": 0}
